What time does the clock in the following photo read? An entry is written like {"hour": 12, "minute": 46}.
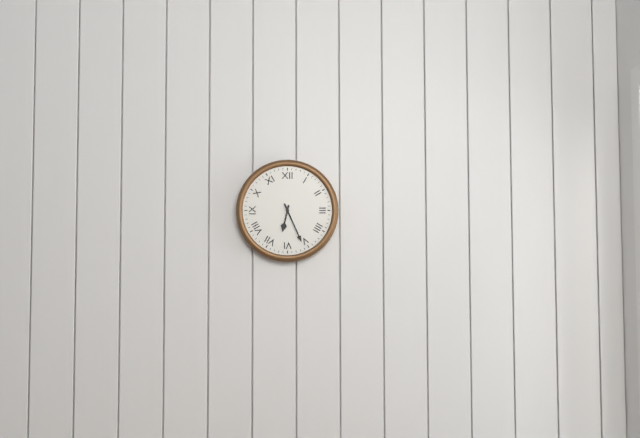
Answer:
{"hour": 6, "minute": 26}
